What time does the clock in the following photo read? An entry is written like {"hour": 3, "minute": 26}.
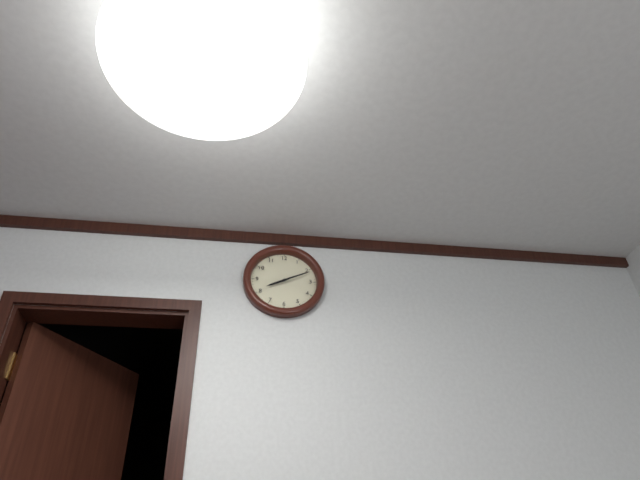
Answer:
{"hour": 8, "minute": 11}
